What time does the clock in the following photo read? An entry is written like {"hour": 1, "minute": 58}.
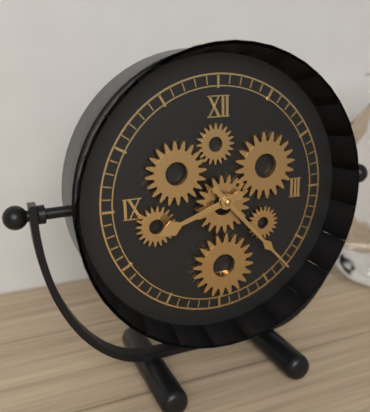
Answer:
{"hour": 8, "minute": 23}
